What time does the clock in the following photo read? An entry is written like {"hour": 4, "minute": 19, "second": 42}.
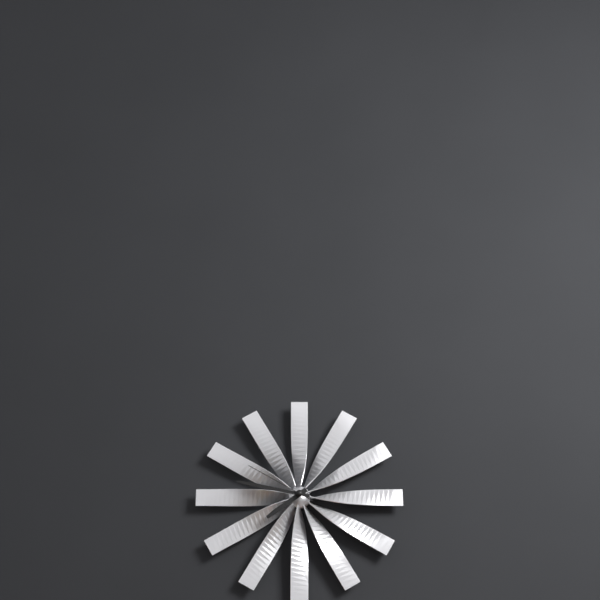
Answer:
{"hour": 7, "minute": 47, "second": 50}
